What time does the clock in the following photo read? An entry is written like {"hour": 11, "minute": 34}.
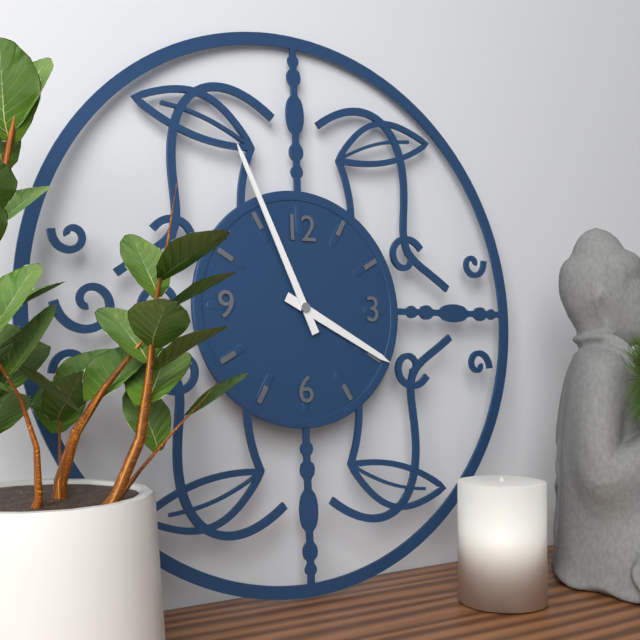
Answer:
{"hour": 3, "minute": 56}
